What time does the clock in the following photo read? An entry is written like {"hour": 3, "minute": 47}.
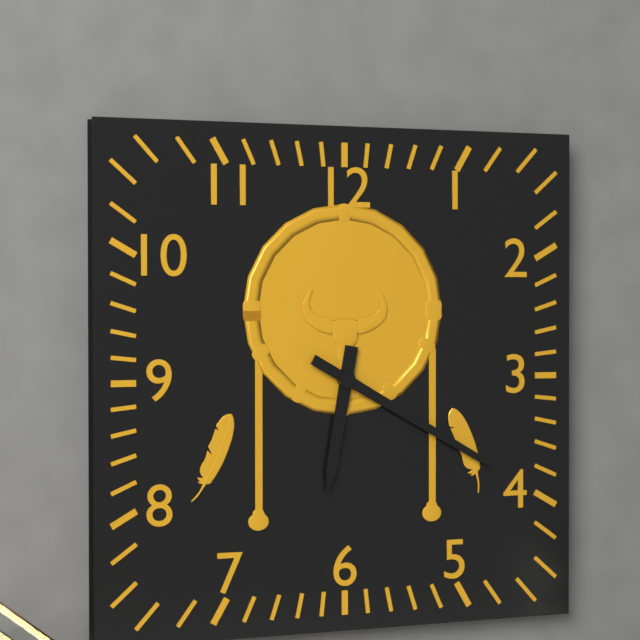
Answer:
{"hour": 6, "minute": 20}
